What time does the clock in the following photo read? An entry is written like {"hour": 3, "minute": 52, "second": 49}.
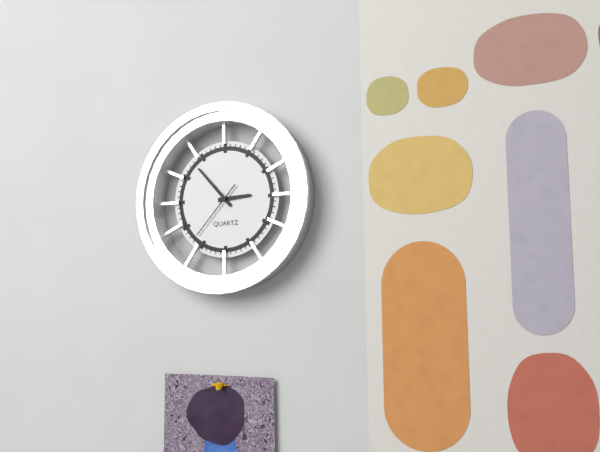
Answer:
{"hour": 2, "minute": 53, "second": 37}
